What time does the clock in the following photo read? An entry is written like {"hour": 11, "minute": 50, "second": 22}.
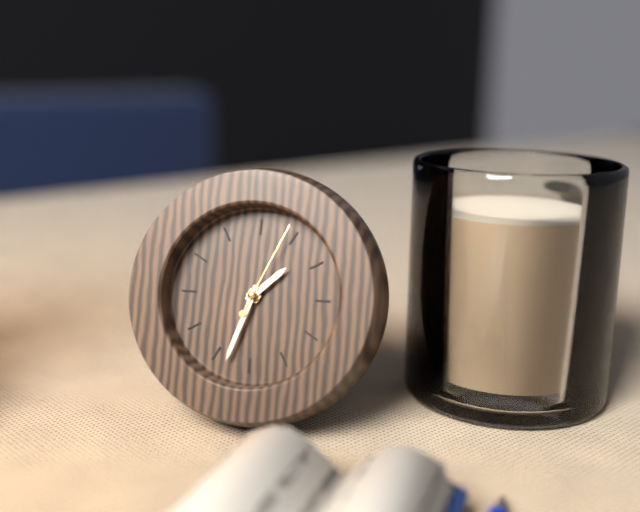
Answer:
{"hour": 1, "minute": 33, "second": 4}
